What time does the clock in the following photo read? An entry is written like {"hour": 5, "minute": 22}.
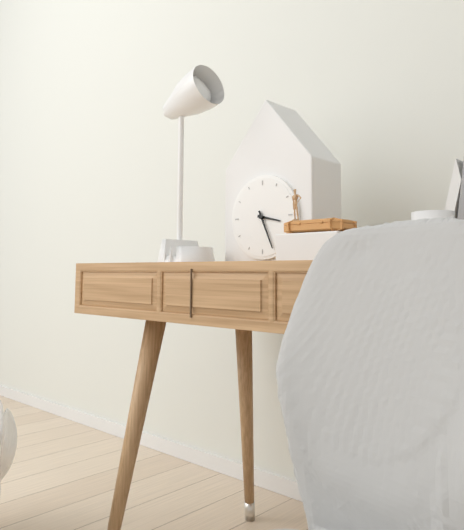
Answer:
{"hour": 3, "minute": 26}
